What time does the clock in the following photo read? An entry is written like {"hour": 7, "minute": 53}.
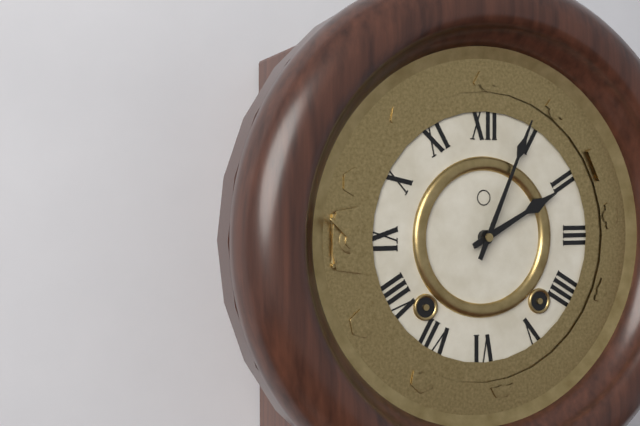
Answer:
{"hour": 2, "minute": 4}
